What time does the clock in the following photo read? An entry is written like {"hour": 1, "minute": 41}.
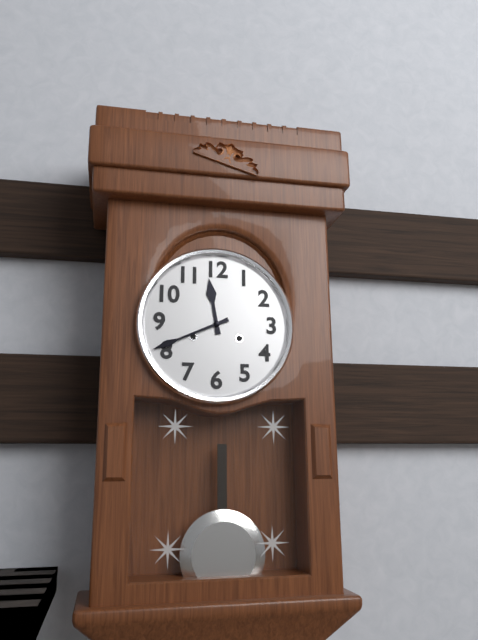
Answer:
{"hour": 11, "minute": 41}
